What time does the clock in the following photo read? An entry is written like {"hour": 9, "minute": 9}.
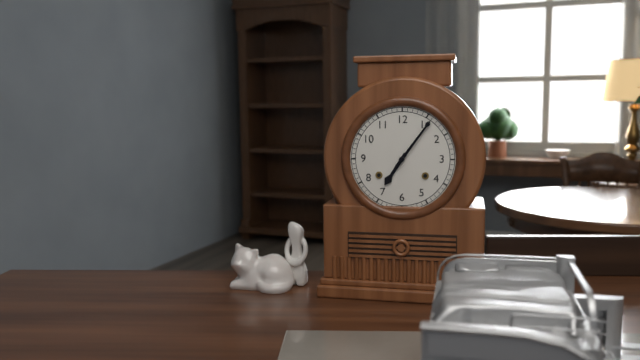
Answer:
{"hour": 7, "minute": 6}
